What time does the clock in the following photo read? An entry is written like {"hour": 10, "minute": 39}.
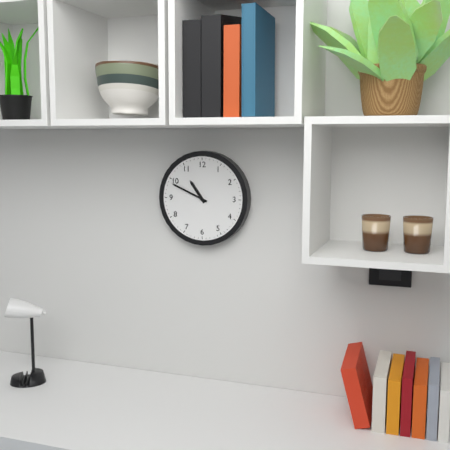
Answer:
{"hour": 10, "minute": 49}
